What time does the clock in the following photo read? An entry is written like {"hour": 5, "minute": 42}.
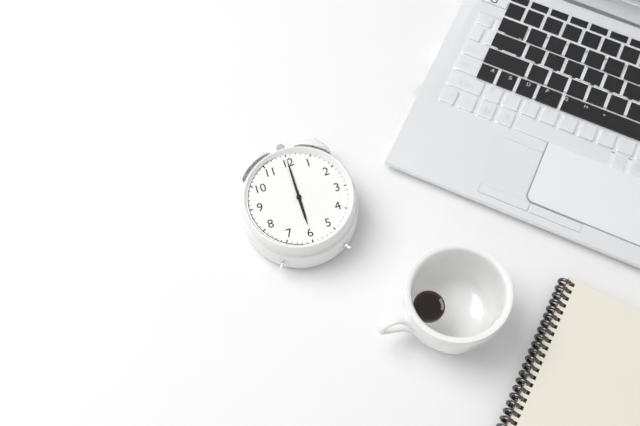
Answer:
{"hour": 6, "minute": 0}
